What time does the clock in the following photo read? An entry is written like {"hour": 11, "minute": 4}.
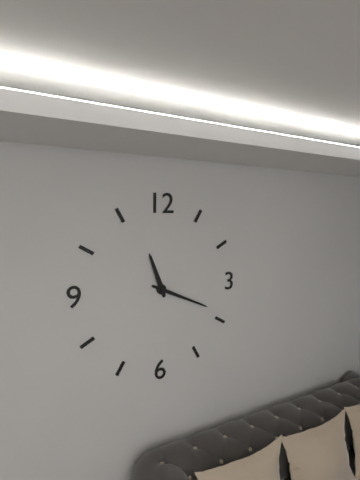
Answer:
{"hour": 11, "minute": 19}
